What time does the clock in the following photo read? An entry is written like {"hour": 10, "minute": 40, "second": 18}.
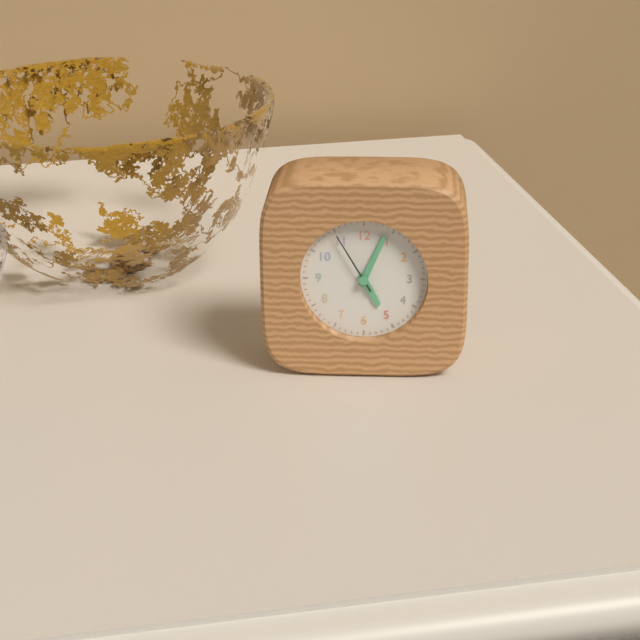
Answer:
{"hour": 5, "minute": 4, "second": 55}
